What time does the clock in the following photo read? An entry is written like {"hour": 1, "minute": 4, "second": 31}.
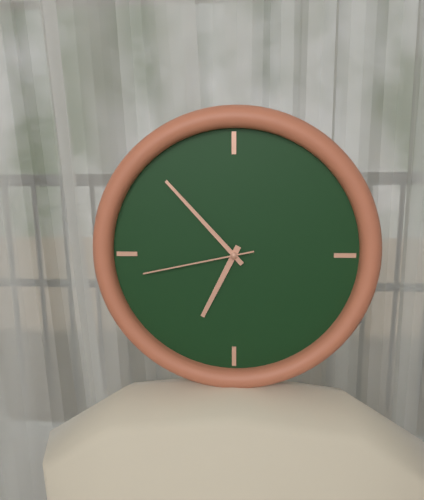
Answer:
{"hour": 6, "minute": 53, "second": 43}
